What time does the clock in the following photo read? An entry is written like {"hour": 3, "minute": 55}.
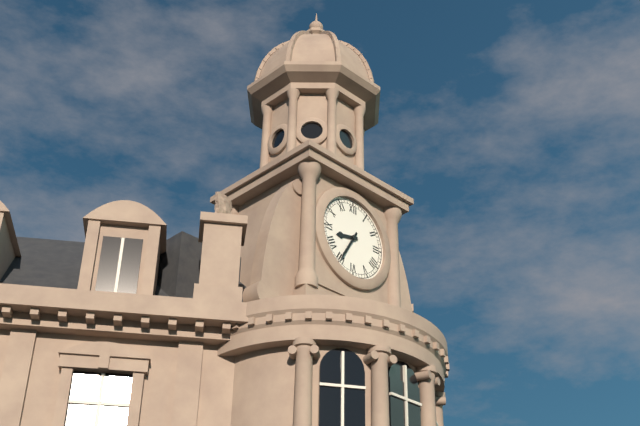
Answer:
{"hour": 8, "minute": 35}
